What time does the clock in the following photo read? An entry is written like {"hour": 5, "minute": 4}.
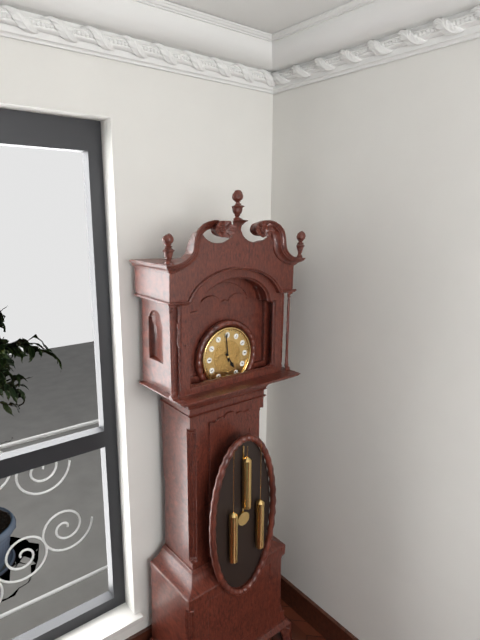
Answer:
{"hour": 4, "minute": 59}
